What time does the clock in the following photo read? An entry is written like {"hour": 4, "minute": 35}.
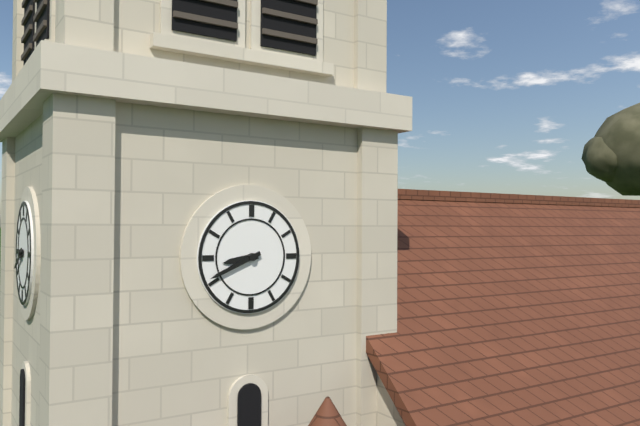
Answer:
{"hour": 8, "minute": 41}
